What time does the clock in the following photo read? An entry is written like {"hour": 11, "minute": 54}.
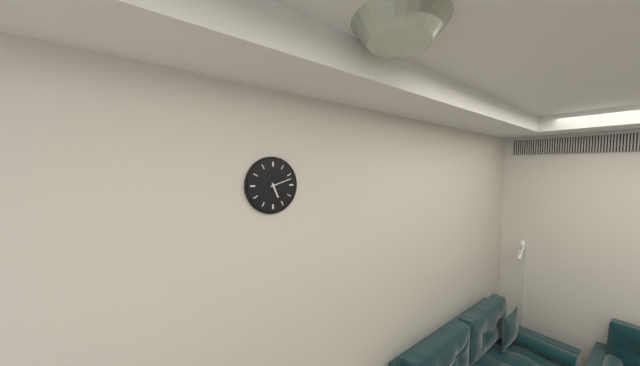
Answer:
{"hour": 5, "minute": 12}
